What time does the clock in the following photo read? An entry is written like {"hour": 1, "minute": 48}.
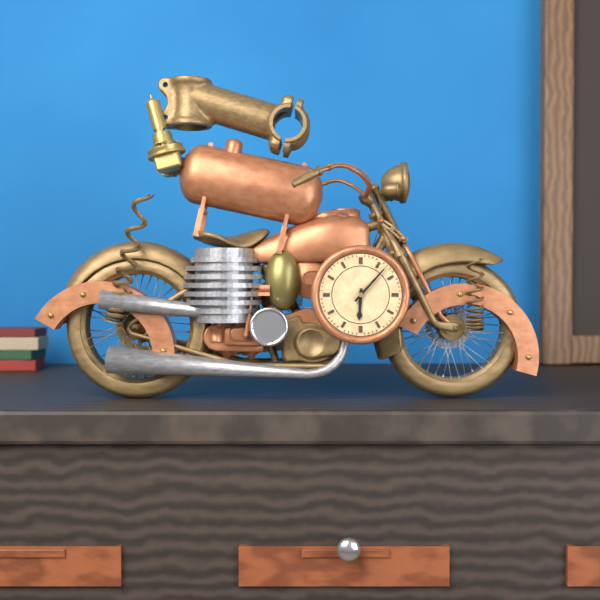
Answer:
{"hour": 6, "minute": 7}
